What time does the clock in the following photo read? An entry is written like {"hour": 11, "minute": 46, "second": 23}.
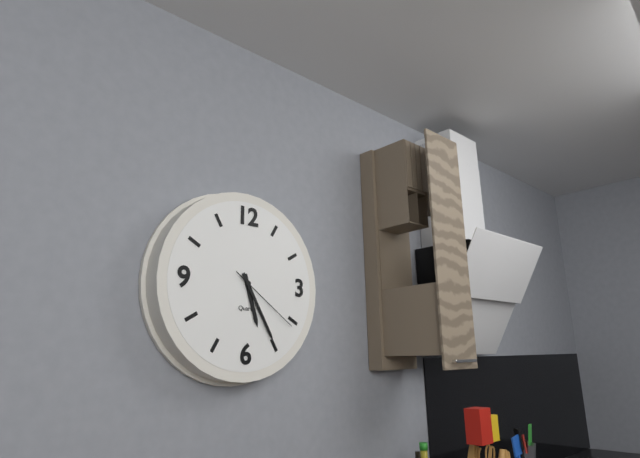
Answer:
{"hour": 5, "minute": 25, "second": 21}
